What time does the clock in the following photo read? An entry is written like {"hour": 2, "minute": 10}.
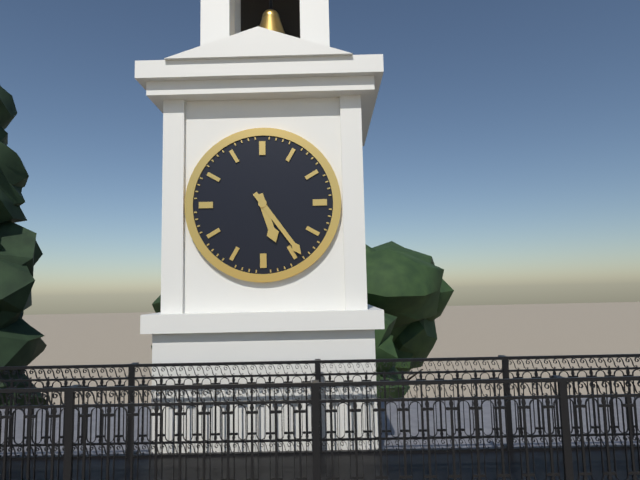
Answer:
{"hour": 5, "minute": 24}
